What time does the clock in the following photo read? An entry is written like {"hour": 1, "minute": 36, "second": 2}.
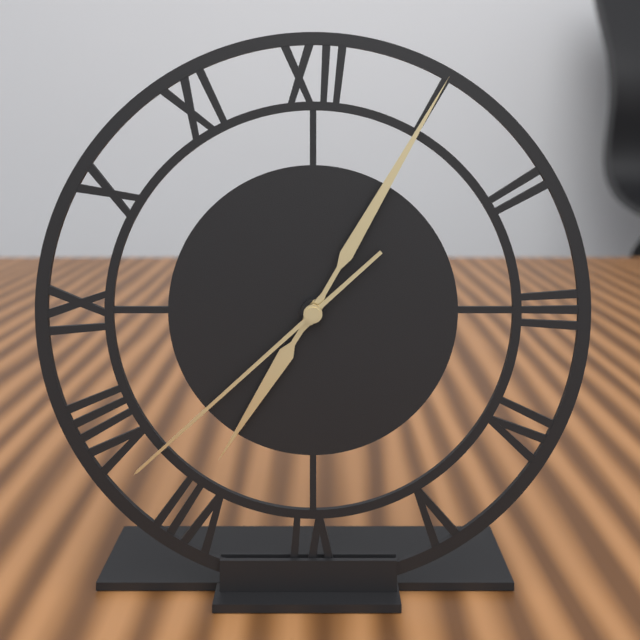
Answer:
{"hour": 7, "minute": 5, "second": 38}
